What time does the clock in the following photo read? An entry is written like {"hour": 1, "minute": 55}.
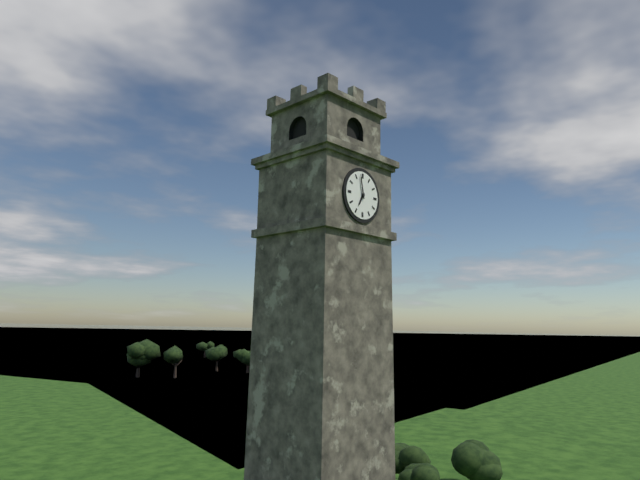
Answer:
{"hour": 6, "minute": 58}
